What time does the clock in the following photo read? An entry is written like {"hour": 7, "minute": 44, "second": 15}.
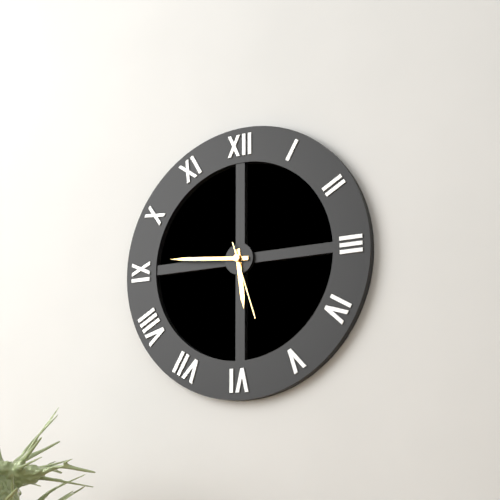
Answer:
{"hour": 5, "minute": 46, "second": 27}
